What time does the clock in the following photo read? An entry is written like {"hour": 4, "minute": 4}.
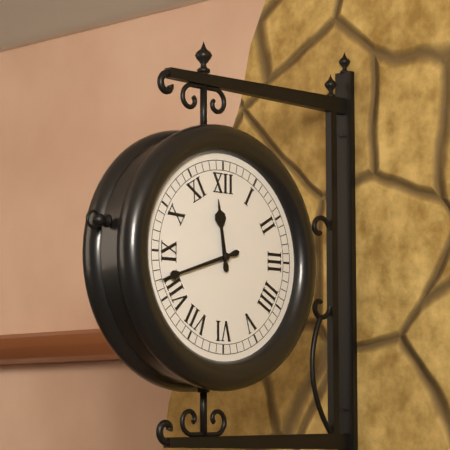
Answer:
{"hour": 11, "minute": 42}
